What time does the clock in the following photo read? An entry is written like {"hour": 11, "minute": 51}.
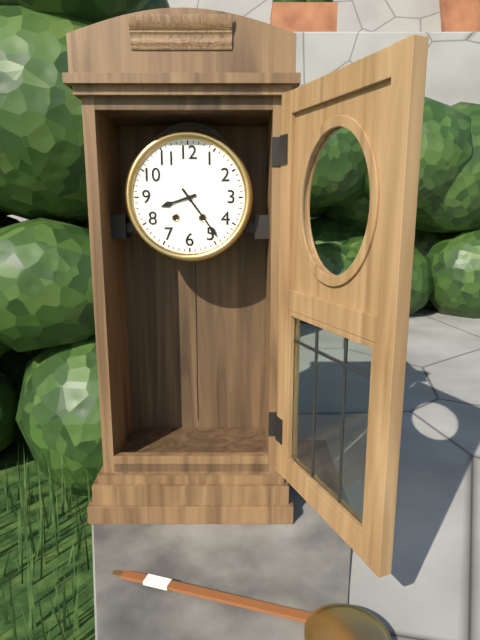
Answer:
{"hour": 8, "minute": 24}
